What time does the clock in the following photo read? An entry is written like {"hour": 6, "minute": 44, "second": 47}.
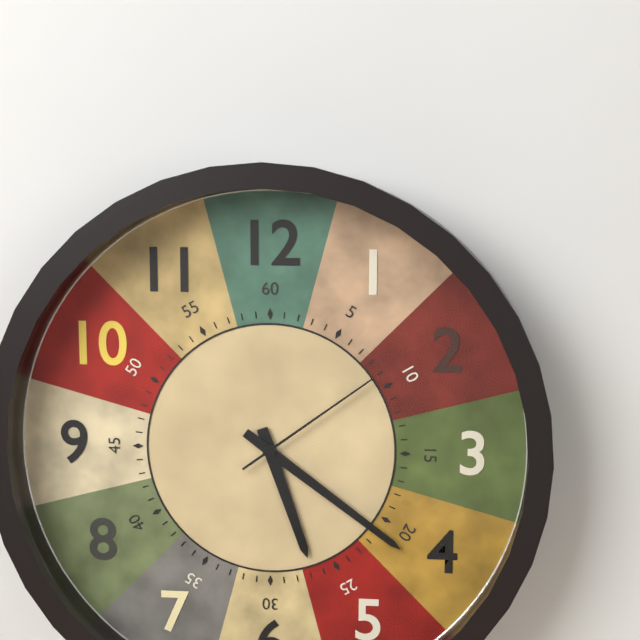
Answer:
{"hour": 5, "minute": 21, "second": 9}
